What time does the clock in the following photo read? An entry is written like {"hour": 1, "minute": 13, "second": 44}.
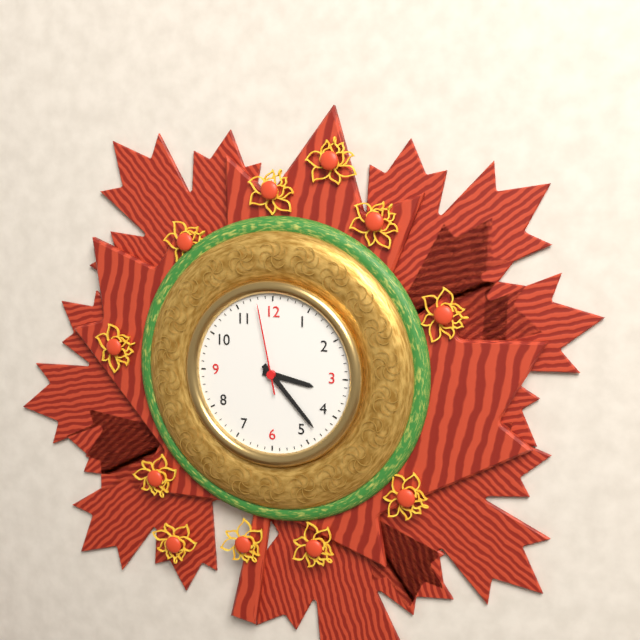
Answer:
{"hour": 3, "minute": 23, "second": 58}
